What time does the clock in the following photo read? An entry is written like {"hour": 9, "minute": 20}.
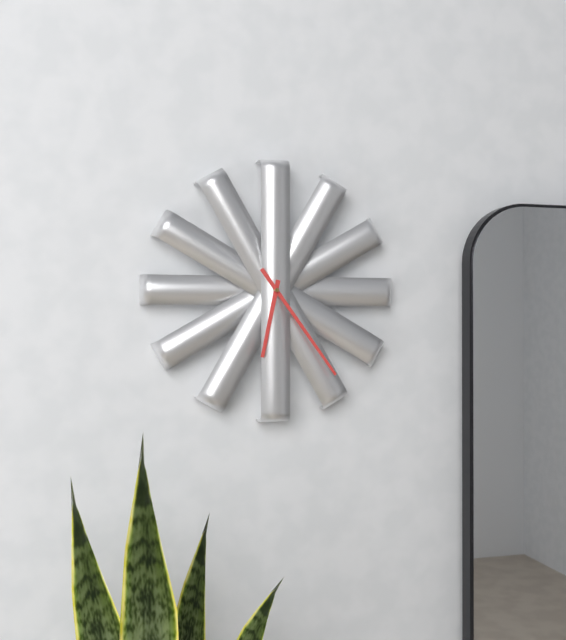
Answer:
{"hour": 6, "minute": 24}
